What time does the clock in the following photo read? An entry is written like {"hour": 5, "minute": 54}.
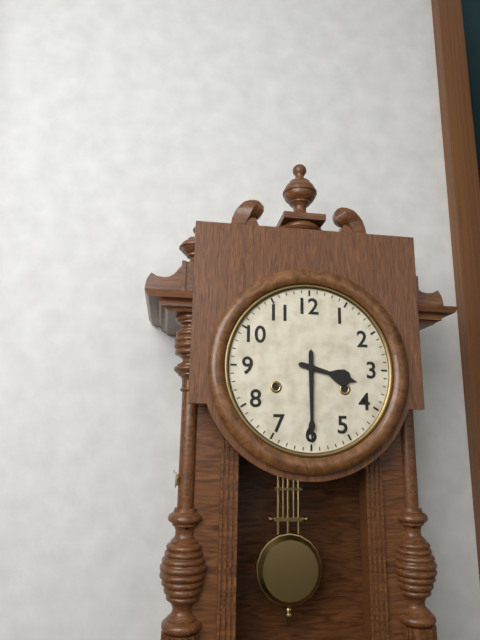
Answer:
{"hour": 3, "minute": 30}
